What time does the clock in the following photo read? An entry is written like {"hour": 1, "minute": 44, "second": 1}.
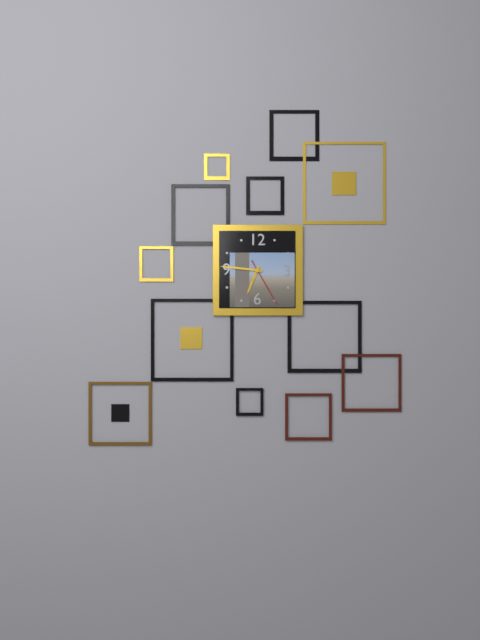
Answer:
{"hour": 6, "minute": 46, "second": 25}
